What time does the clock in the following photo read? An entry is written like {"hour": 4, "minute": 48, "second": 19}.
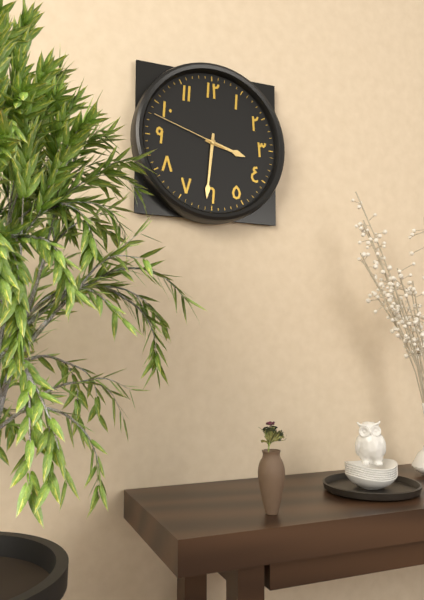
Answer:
{"hour": 3, "minute": 31, "second": 48}
